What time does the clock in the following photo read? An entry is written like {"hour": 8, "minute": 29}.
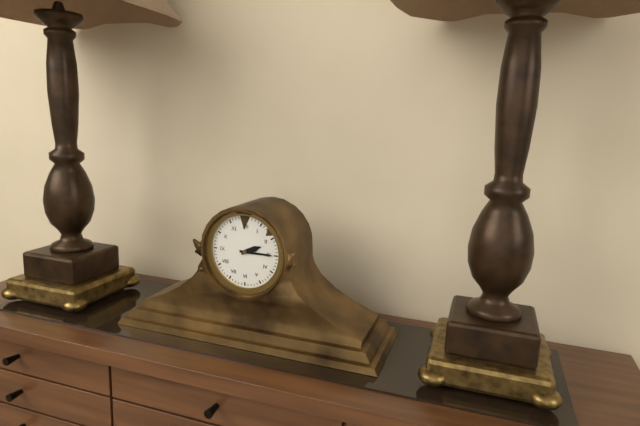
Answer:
{"hour": 2, "minute": 15}
